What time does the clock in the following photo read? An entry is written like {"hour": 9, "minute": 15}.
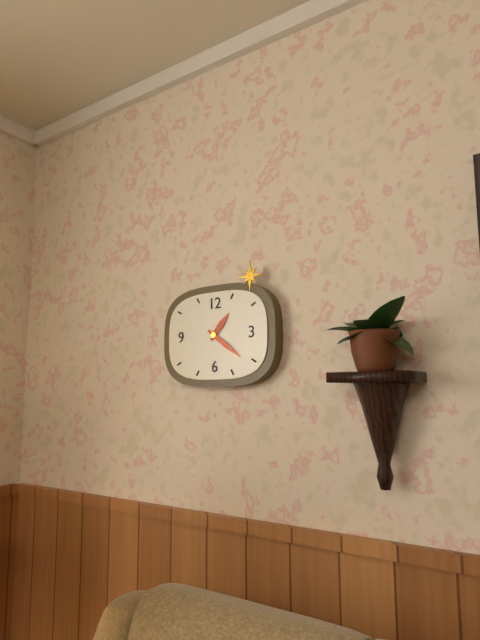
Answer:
{"hour": 1, "minute": 21}
